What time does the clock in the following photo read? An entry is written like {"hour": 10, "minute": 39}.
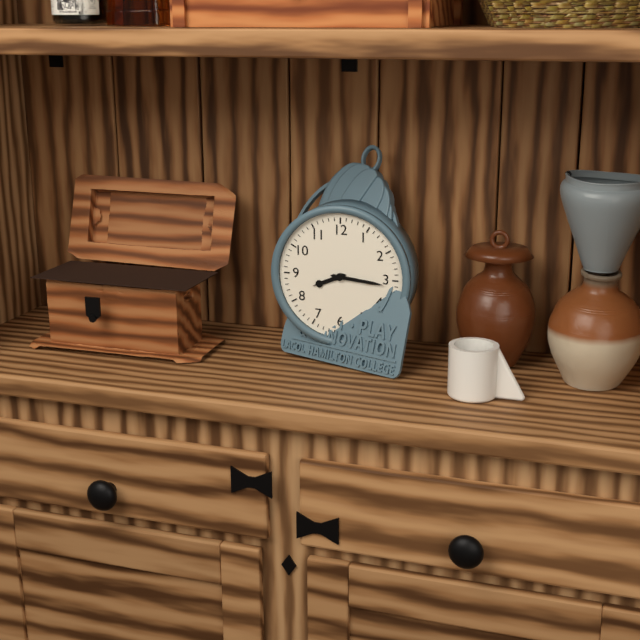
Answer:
{"hour": 8, "minute": 16}
